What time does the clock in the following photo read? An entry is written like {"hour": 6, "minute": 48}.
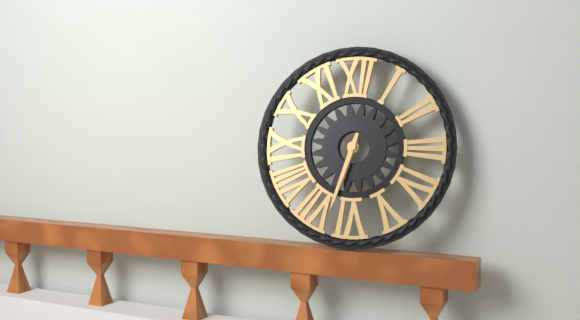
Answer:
{"hour": 6, "minute": 33}
